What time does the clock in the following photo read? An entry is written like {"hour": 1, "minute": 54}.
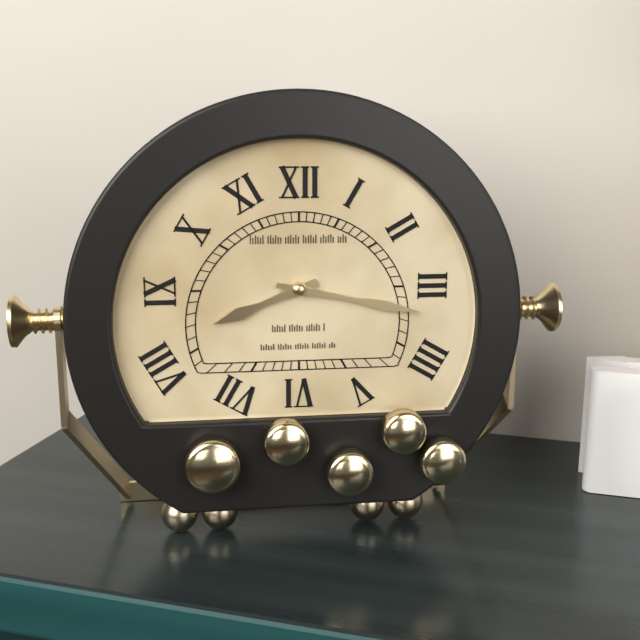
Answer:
{"hour": 8, "minute": 17}
